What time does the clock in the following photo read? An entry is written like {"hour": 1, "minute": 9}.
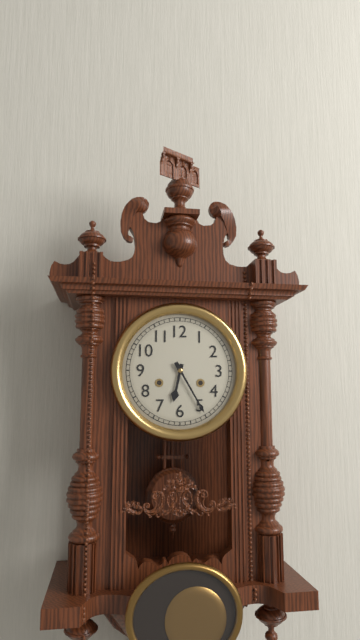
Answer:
{"hour": 6, "minute": 25}
